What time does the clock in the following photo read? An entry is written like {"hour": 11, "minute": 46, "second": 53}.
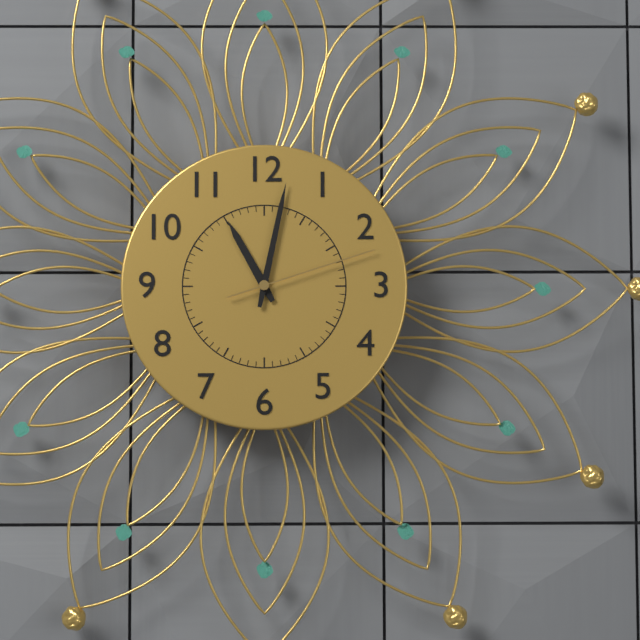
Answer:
{"hour": 11, "minute": 2, "second": 12}
